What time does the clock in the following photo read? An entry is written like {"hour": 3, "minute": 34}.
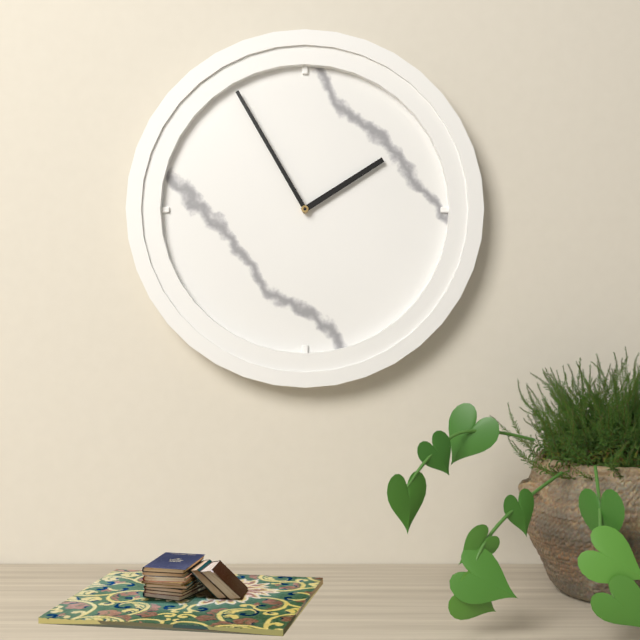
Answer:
{"hour": 1, "minute": 55}
